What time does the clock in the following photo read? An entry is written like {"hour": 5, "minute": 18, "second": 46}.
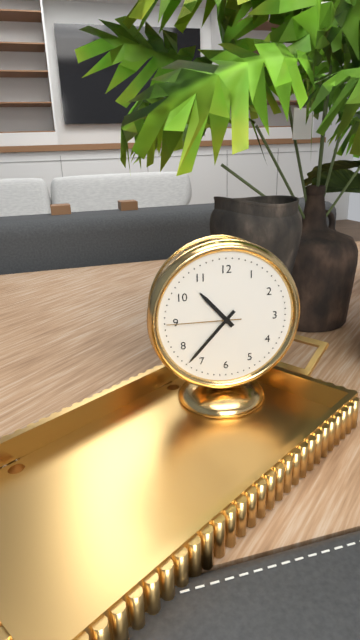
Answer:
{"hour": 10, "minute": 37, "second": 45}
